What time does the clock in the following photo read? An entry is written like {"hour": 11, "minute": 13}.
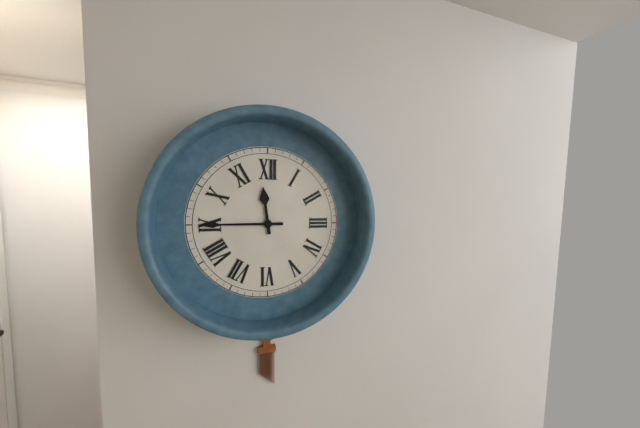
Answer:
{"hour": 11, "minute": 45}
